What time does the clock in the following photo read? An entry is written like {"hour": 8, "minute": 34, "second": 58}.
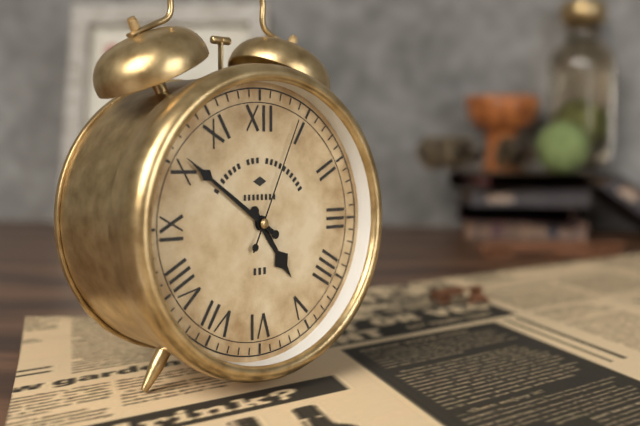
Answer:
{"hour": 4, "minute": 51, "second": 4}
